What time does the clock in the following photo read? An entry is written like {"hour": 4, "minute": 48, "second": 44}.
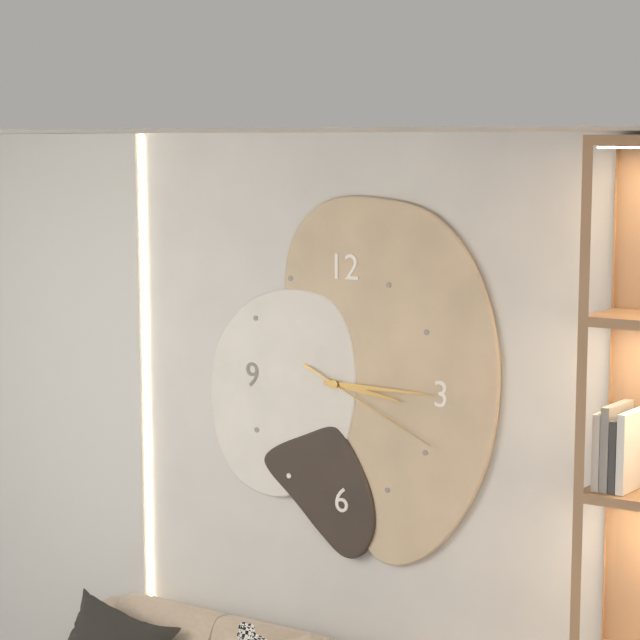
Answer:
{"hour": 3, "minute": 15, "second": 19}
